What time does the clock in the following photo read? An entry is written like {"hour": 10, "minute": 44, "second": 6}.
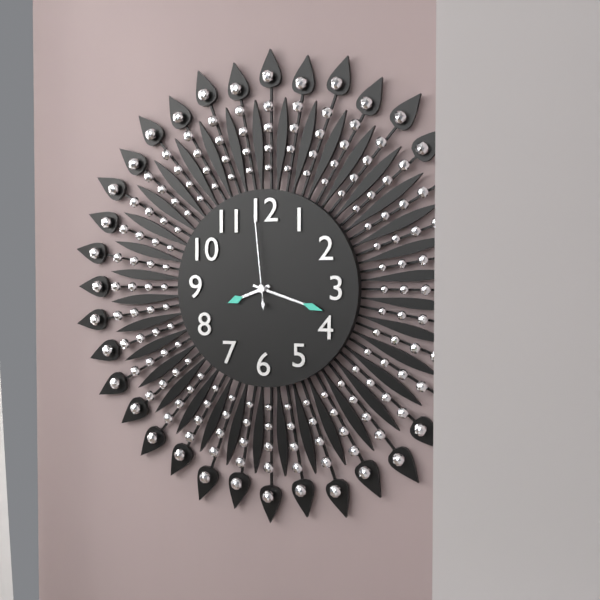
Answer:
{"hour": 8, "minute": 18, "second": 59}
